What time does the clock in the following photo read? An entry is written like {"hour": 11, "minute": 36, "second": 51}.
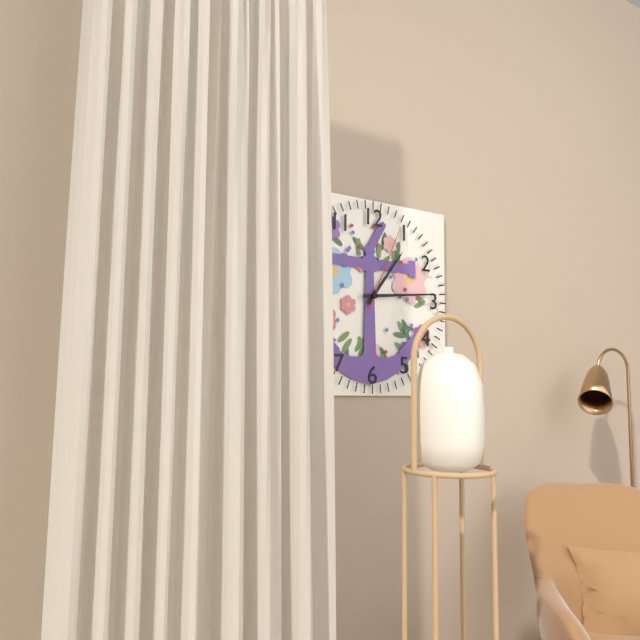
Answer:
{"hour": 1, "minute": 14, "second": 4}
